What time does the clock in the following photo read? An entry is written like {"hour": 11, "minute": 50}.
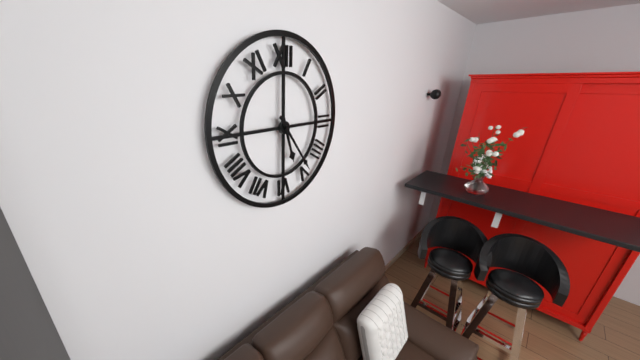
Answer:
{"hour": 5, "minute": 24}
